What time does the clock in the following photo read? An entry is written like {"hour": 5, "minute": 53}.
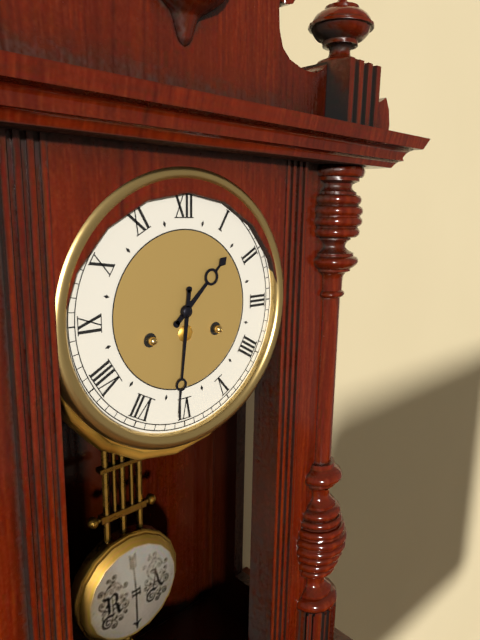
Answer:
{"hour": 1, "minute": 31}
